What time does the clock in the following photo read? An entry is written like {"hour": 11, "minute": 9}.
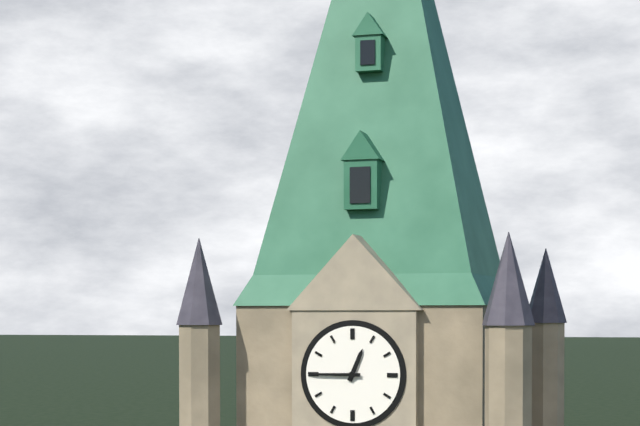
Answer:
{"hour": 12, "minute": 45}
